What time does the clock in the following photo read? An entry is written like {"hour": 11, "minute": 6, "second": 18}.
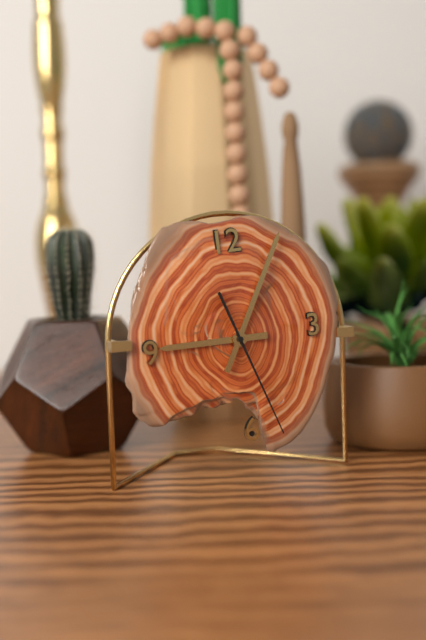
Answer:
{"hour": 9, "minute": 5, "second": 27}
